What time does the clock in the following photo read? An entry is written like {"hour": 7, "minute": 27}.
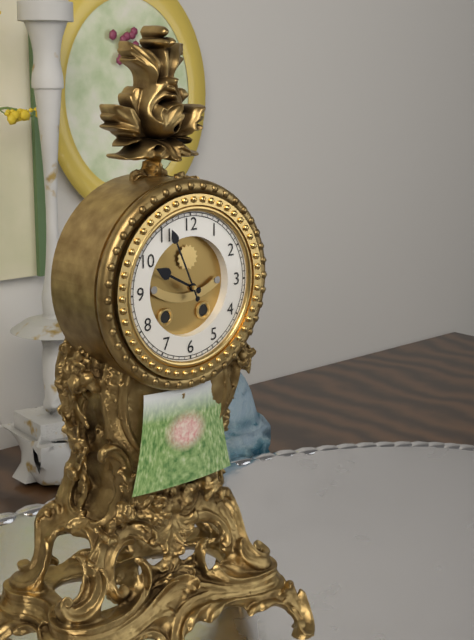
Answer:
{"hour": 9, "minute": 56}
